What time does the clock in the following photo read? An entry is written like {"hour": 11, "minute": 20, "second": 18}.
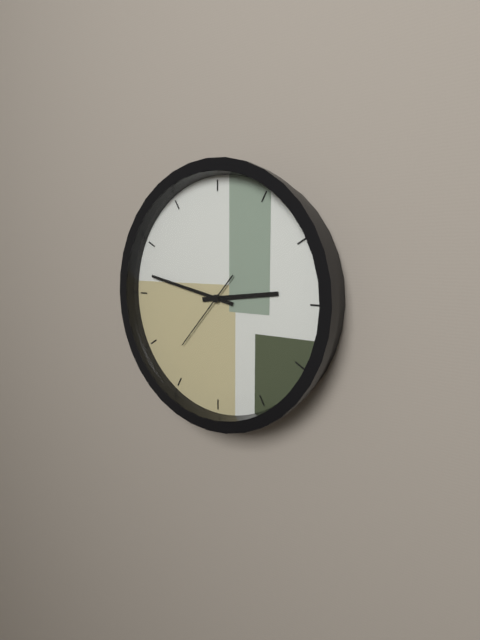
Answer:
{"hour": 2, "minute": 47, "second": 37}
